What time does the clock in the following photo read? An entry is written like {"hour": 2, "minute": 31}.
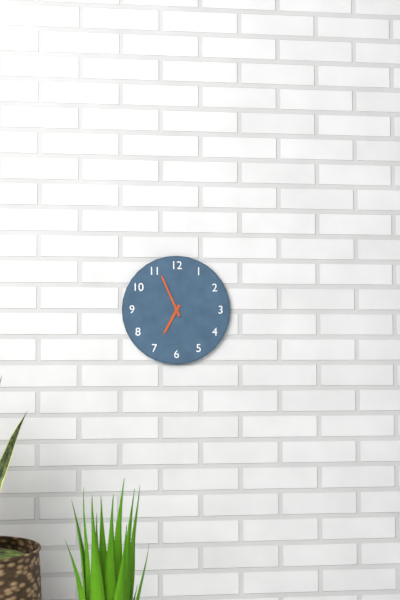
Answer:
{"hour": 6, "minute": 56}
